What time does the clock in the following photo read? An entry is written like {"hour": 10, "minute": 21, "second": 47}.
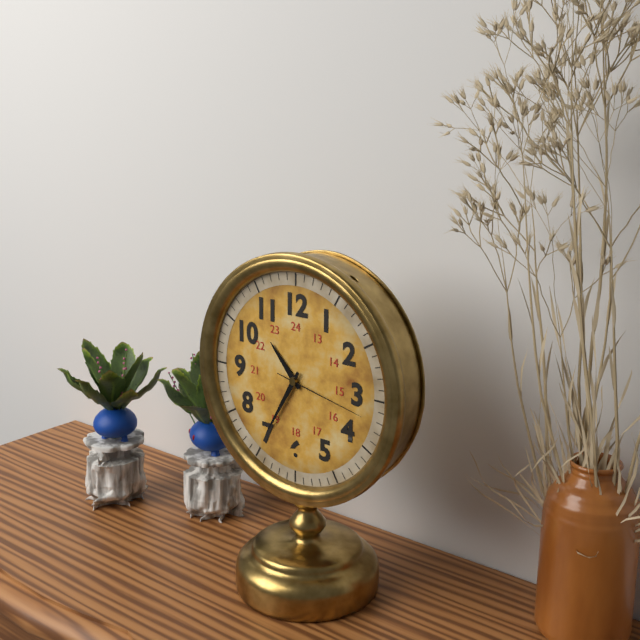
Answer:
{"hour": 10, "minute": 35, "second": 17}
